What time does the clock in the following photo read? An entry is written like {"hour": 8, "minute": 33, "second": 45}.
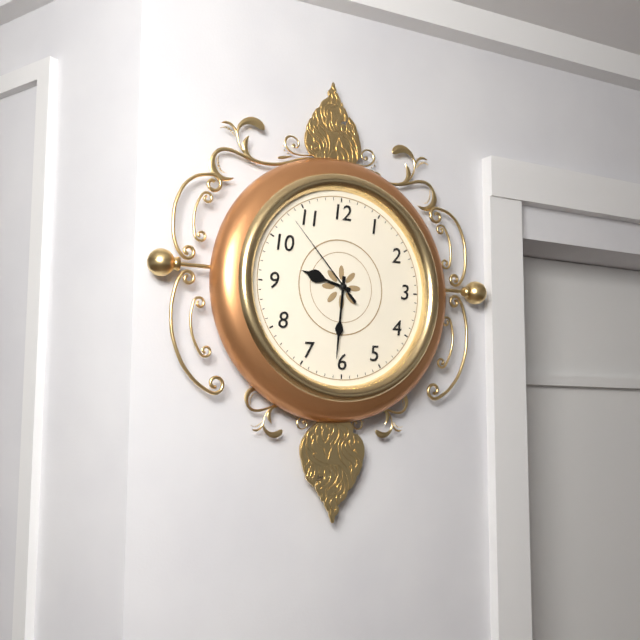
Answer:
{"hour": 9, "minute": 31, "second": 53}
